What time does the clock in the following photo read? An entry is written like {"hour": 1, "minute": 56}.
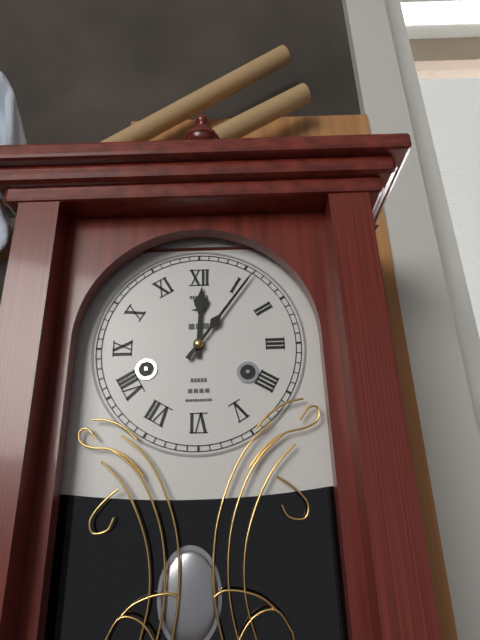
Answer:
{"hour": 12, "minute": 6}
